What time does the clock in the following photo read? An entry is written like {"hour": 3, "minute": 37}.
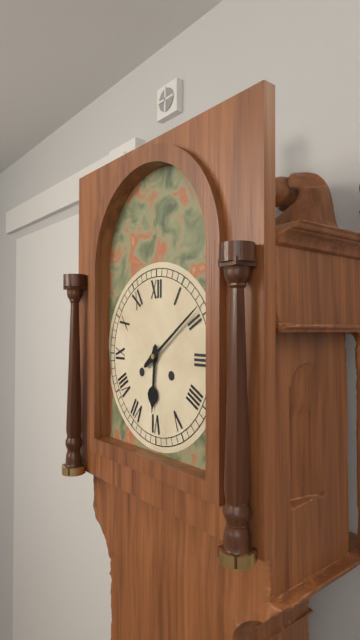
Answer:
{"hour": 6, "minute": 9}
